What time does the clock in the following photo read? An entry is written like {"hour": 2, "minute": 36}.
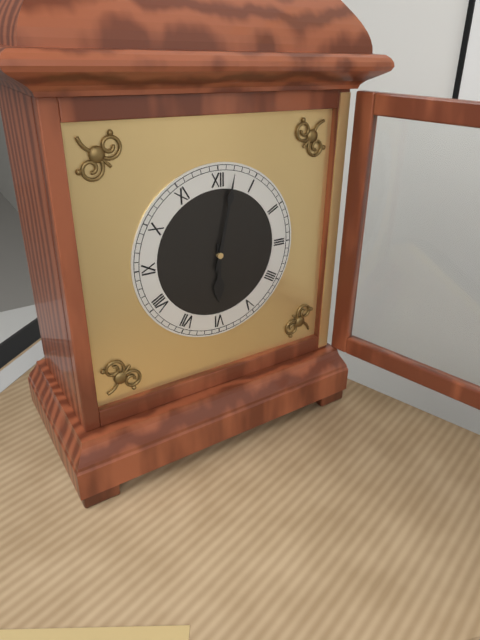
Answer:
{"hour": 6, "minute": 2}
